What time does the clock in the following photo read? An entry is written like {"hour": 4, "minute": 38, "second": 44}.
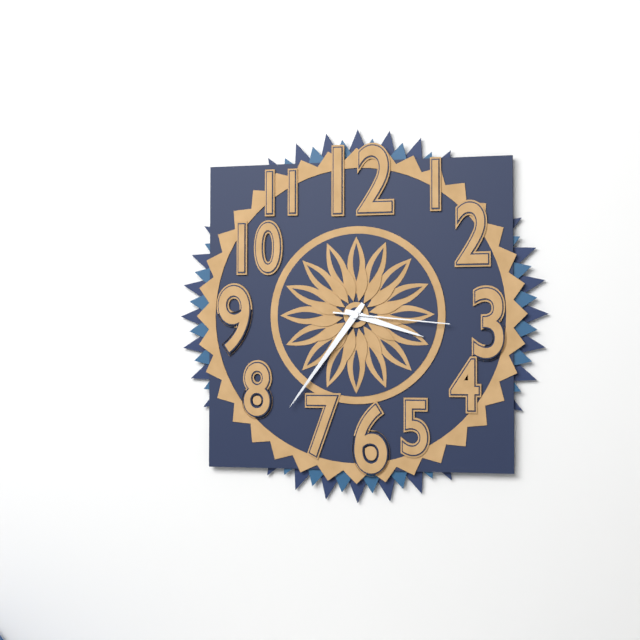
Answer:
{"hour": 3, "minute": 36, "second": 16}
